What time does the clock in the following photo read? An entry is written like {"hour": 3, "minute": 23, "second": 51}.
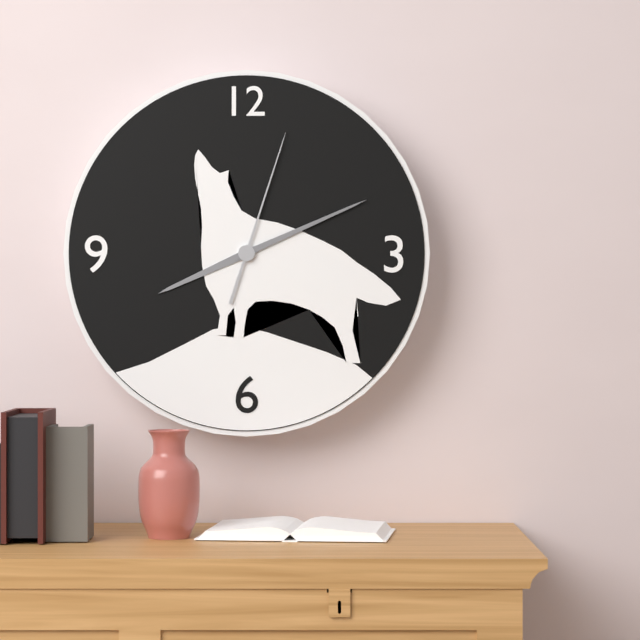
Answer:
{"hour": 8, "minute": 11, "second": 3}
